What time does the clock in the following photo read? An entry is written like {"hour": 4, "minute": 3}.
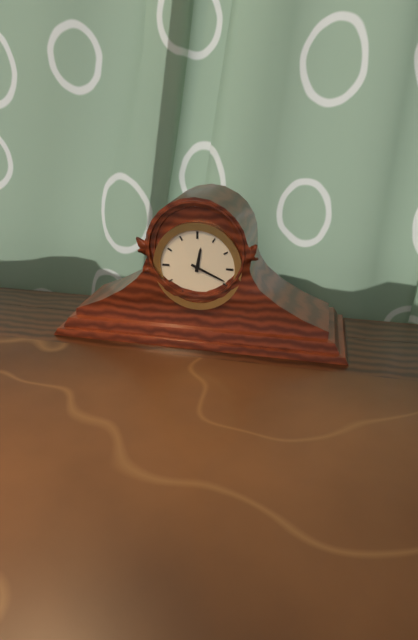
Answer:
{"hour": 12, "minute": 19}
